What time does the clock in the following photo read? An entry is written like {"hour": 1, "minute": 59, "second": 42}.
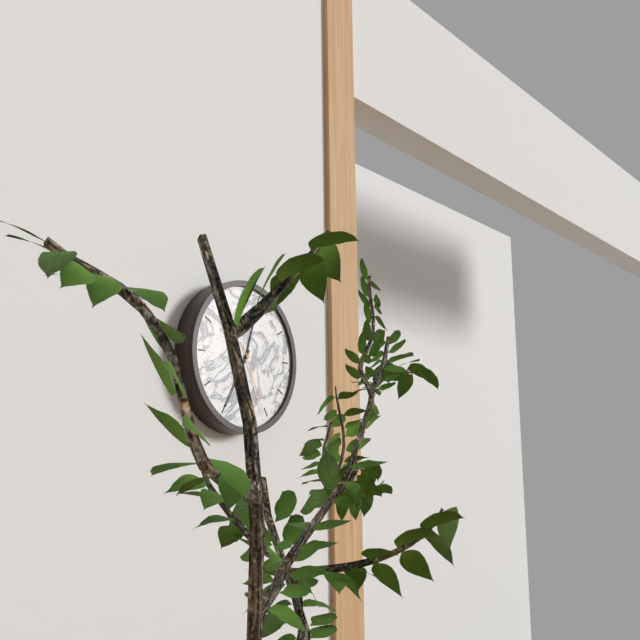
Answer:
{"hour": 12, "minute": 35, "second": 26}
